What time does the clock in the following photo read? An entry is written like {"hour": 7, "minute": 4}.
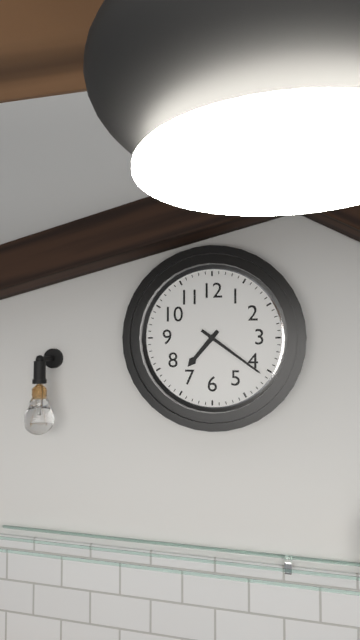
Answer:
{"hour": 7, "minute": 21}
